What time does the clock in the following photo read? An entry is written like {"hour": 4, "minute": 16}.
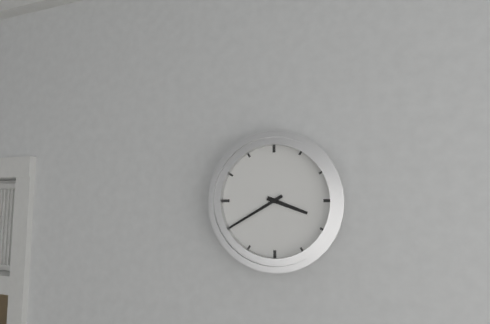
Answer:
{"hour": 3, "minute": 40}
